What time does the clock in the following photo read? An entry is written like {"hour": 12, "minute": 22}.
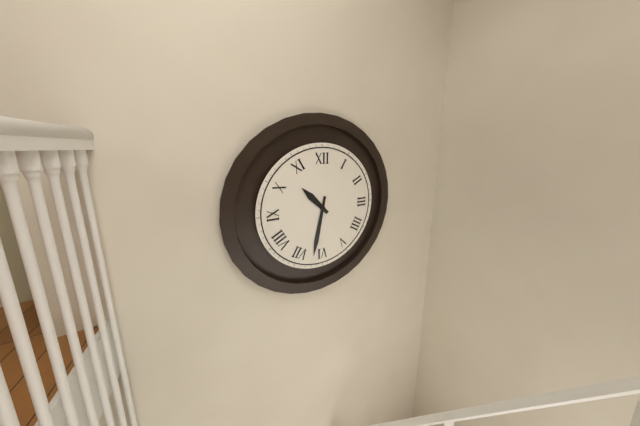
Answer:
{"hour": 10, "minute": 32}
